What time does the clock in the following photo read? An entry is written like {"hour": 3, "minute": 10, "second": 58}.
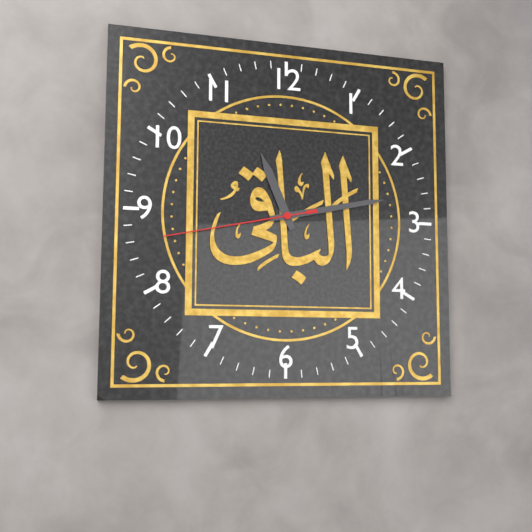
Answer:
{"hour": 11, "minute": 13, "second": 43}
